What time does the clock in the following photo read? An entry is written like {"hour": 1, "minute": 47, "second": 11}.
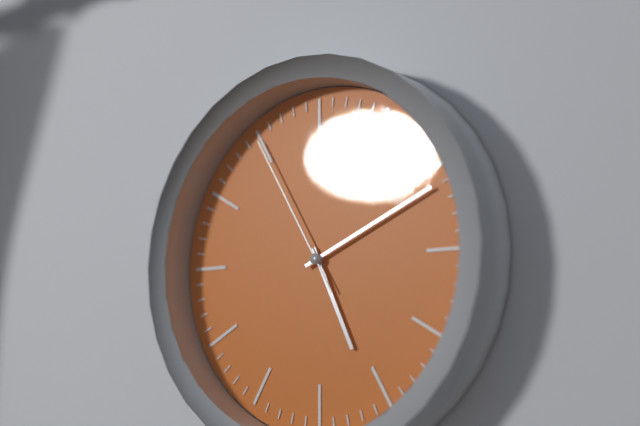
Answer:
{"hour": 5, "minute": 11, "second": 55}
